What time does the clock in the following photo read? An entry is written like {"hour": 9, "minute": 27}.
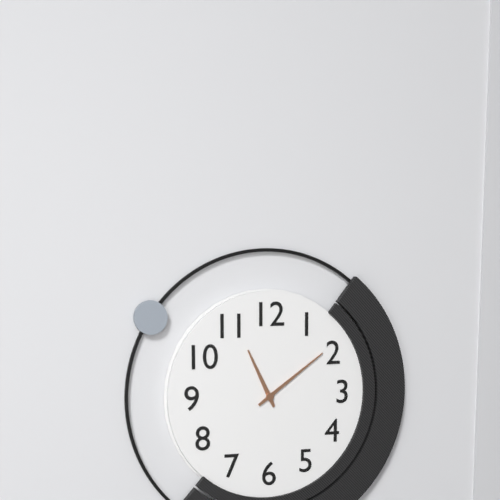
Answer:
{"hour": 11, "minute": 9}
